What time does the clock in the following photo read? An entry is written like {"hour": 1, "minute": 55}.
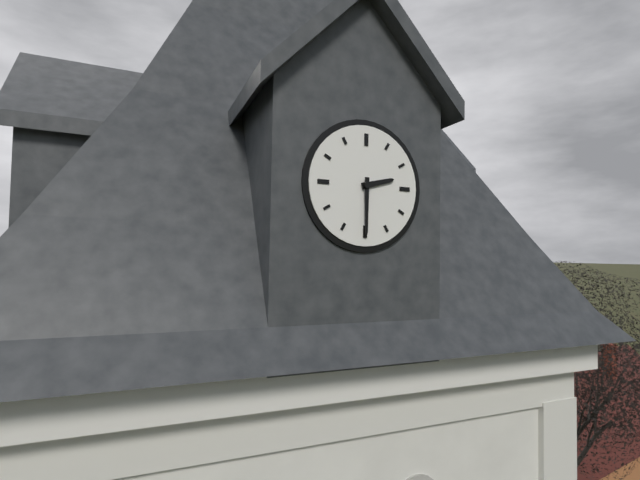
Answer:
{"hour": 2, "minute": 30}
